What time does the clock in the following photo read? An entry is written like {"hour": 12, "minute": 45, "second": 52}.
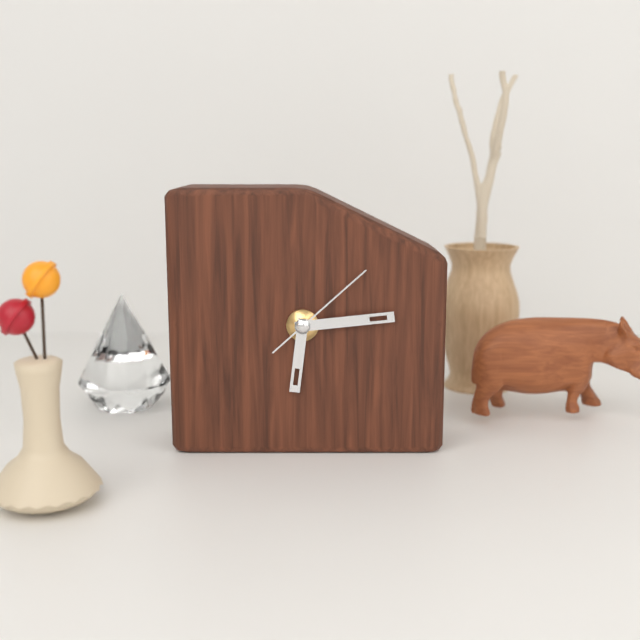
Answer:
{"hour": 6, "minute": 14, "second": 8}
